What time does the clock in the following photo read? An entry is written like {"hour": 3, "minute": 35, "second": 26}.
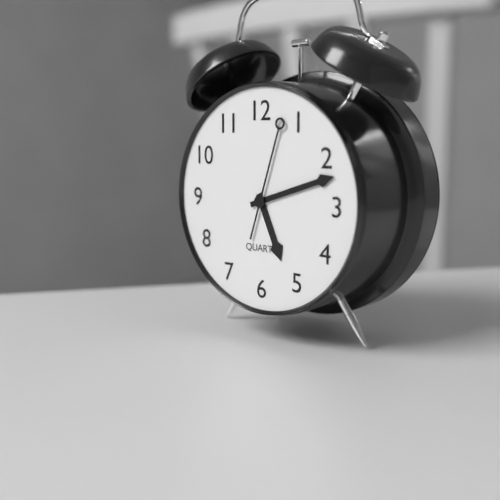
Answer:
{"hour": 5, "minute": 12, "second": 3}
